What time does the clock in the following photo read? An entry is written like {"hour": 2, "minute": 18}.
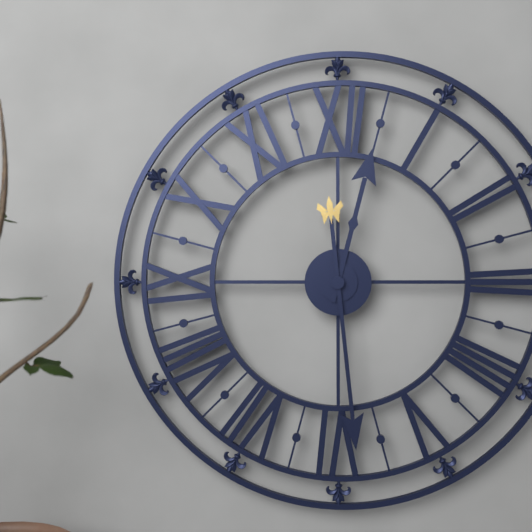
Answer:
{"hour": 12, "minute": 29}
